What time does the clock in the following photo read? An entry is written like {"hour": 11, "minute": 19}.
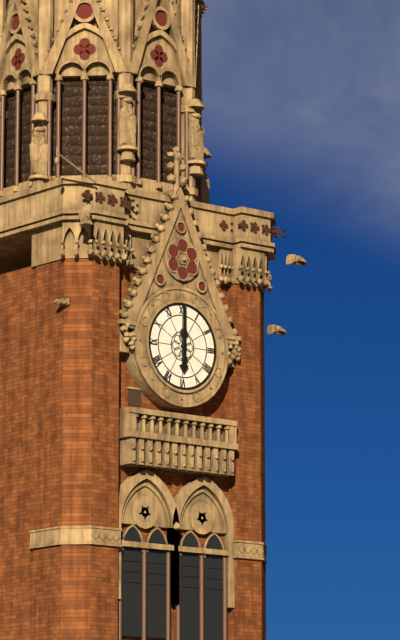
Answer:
{"hour": 6, "minute": 0}
